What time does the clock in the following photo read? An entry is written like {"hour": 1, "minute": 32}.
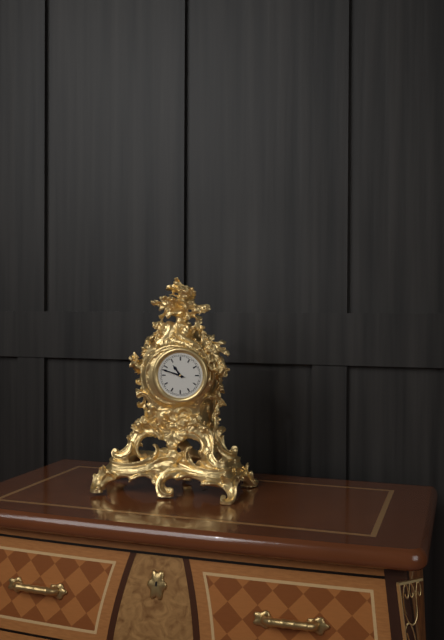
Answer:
{"hour": 10, "minute": 48}
